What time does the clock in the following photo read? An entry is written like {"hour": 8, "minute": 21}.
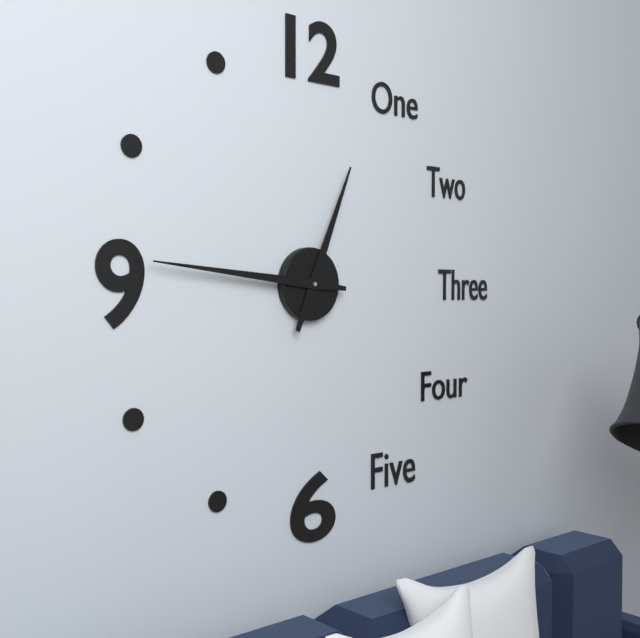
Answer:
{"hour": 12, "minute": 46}
